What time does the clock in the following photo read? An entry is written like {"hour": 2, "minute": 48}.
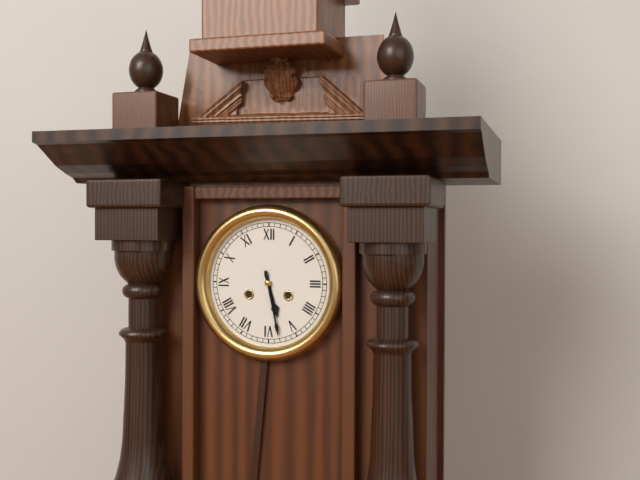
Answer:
{"hour": 5, "minute": 28}
